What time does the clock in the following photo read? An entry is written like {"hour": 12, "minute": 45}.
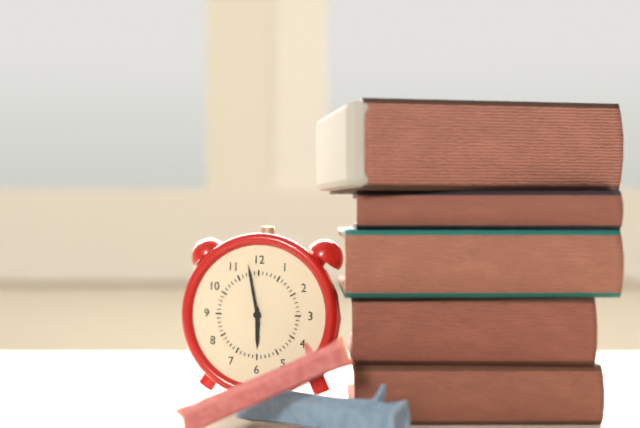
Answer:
{"hour": 5, "minute": 58}
